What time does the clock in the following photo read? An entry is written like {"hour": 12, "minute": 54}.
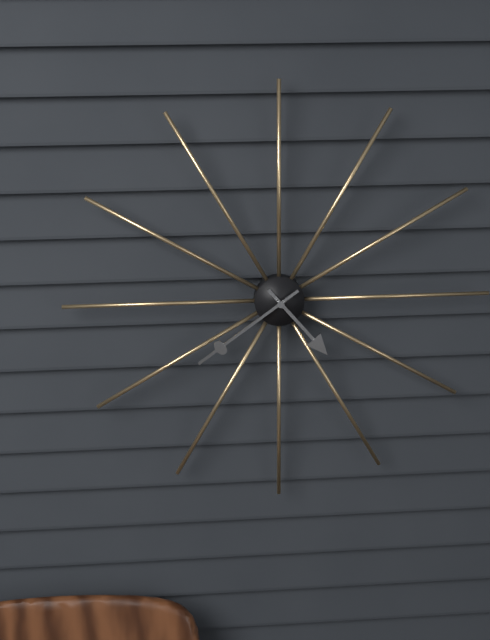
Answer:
{"hour": 4, "minute": 39}
